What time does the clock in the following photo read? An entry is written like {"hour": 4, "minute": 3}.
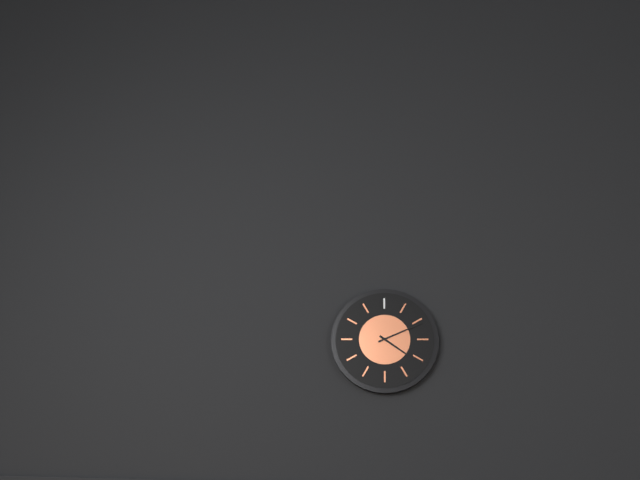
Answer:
{"hour": 4, "minute": 11}
